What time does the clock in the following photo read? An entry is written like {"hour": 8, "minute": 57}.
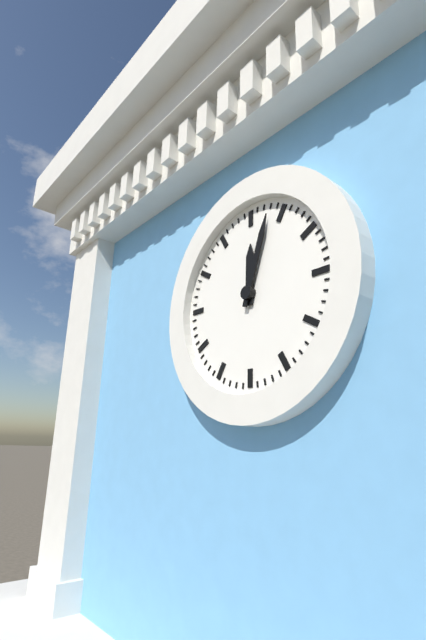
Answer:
{"hour": 12, "minute": 3}
